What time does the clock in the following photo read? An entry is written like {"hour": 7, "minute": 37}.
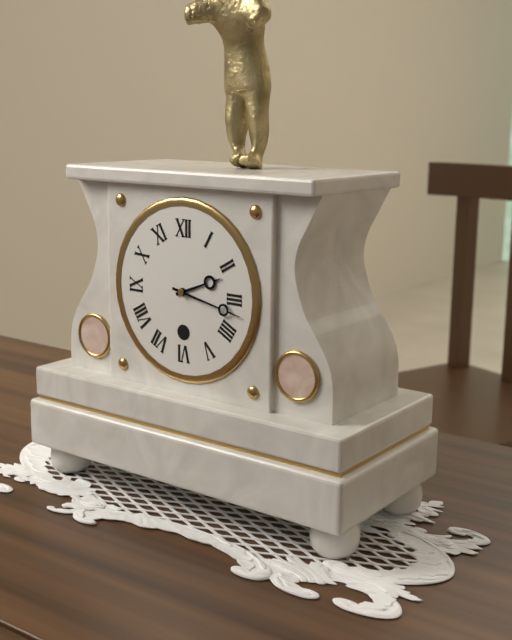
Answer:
{"hour": 2, "minute": 17}
